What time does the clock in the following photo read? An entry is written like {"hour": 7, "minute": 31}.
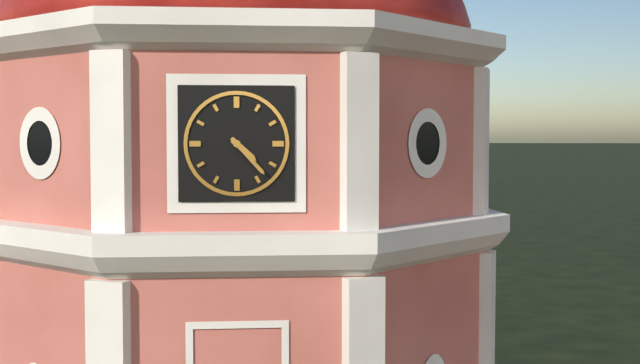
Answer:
{"hour": 4, "minute": 23}
